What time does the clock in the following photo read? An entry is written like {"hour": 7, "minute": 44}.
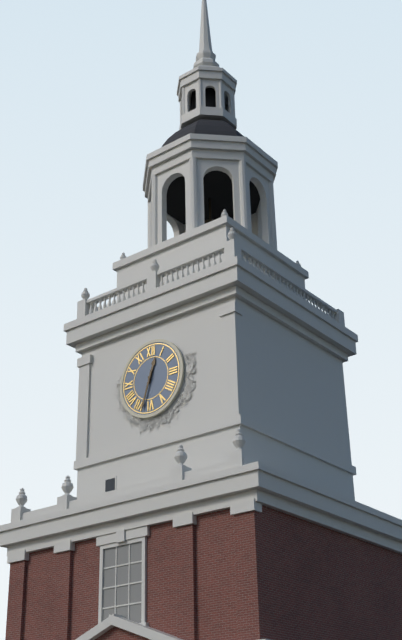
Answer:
{"hour": 12, "minute": 33}
